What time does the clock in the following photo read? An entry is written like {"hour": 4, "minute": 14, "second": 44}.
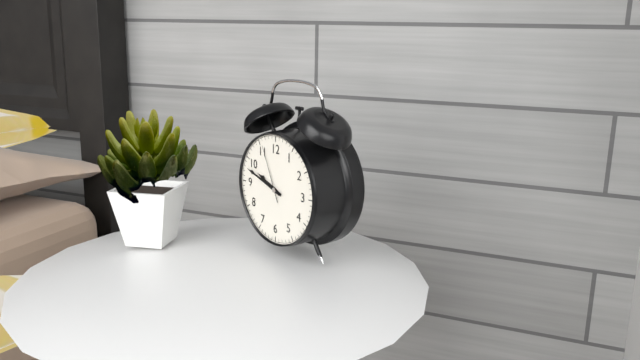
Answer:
{"hour": 9, "minute": 48, "second": 56}
